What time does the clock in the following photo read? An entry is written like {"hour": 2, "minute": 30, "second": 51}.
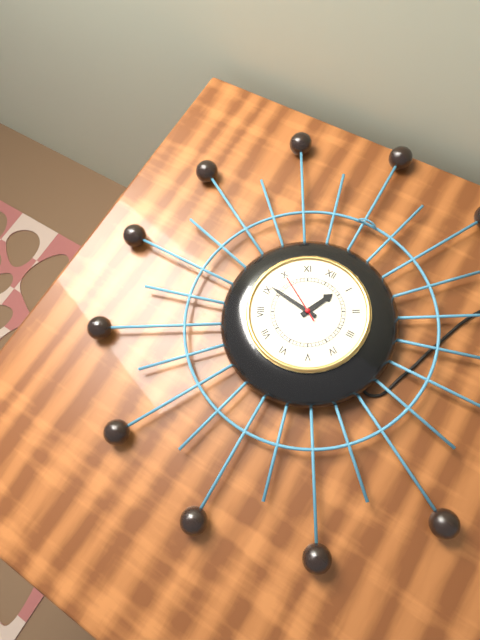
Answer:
{"hour": 12, "minute": 46, "second": 50}
